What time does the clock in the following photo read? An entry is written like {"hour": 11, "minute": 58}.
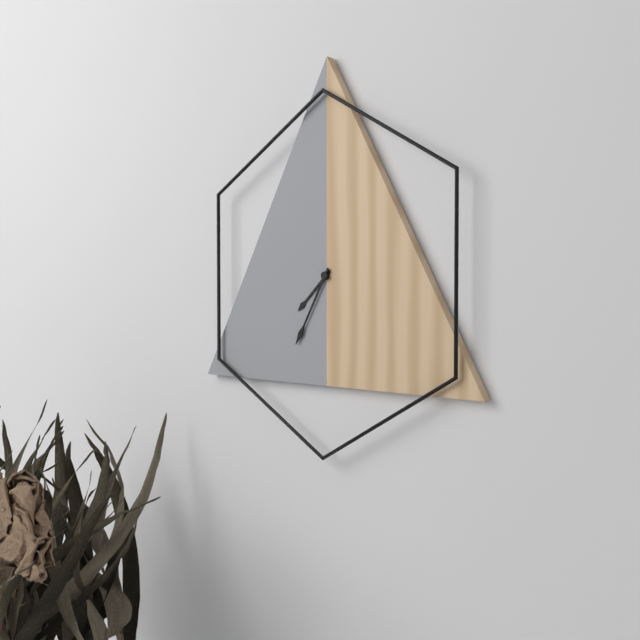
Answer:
{"hour": 7, "minute": 35}
